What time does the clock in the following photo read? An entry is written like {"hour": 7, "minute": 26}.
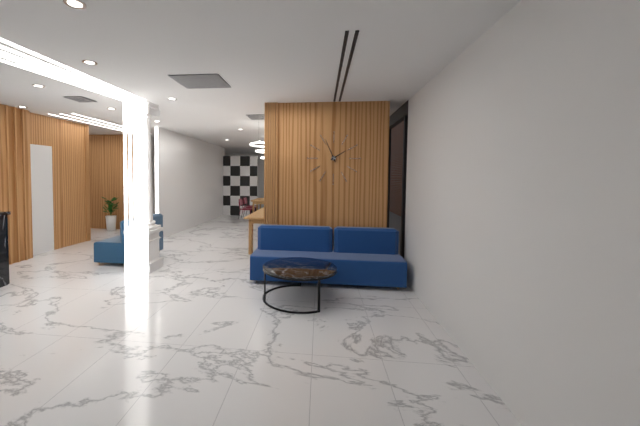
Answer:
{"hour": 1, "minute": 56}
